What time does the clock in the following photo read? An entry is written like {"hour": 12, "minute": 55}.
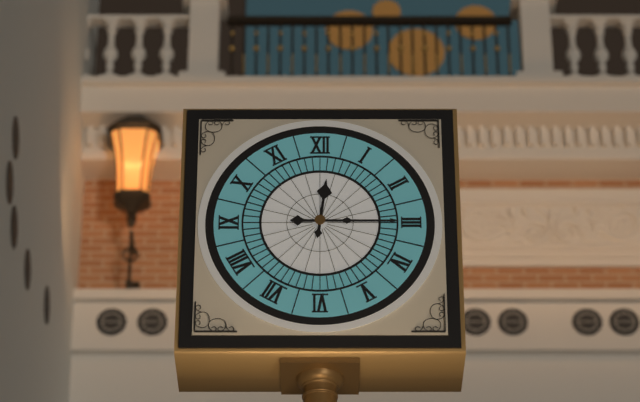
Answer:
{"hour": 12, "minute": 15}
